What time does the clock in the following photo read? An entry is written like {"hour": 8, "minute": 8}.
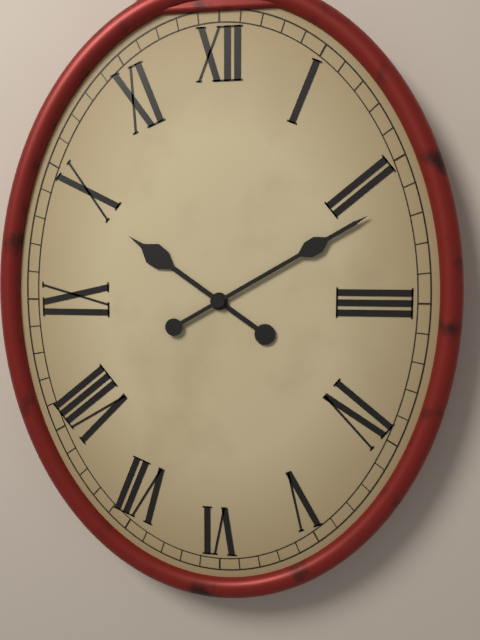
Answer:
{"hour": 10, "minute": 10}
